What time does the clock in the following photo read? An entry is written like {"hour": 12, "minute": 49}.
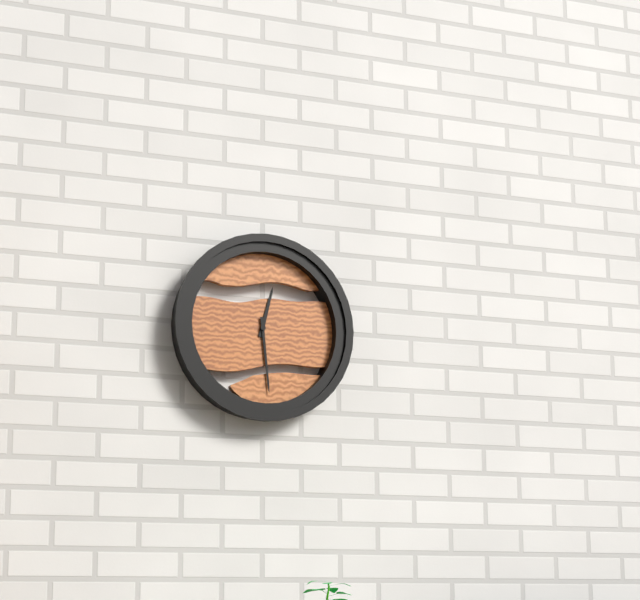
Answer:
{"hour": 12, "minute": 29}
